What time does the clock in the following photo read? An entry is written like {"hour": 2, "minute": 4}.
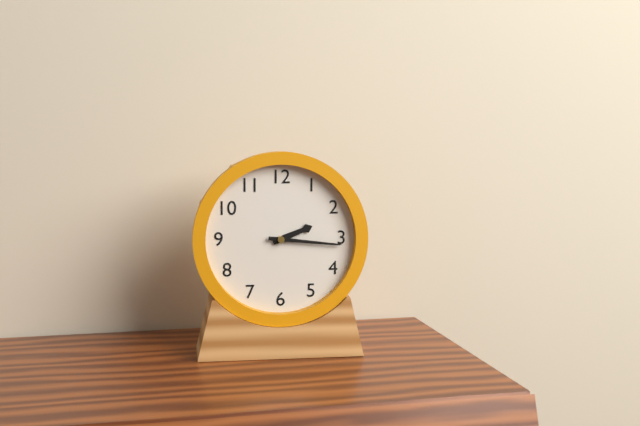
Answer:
{"hour": 2, "minute": 16}
